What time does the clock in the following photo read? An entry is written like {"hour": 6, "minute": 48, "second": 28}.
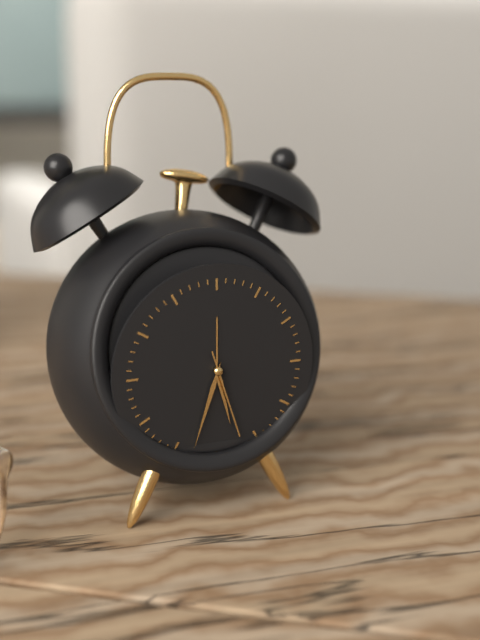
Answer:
{"hour": 5, "minute": 33, "second": 27}
